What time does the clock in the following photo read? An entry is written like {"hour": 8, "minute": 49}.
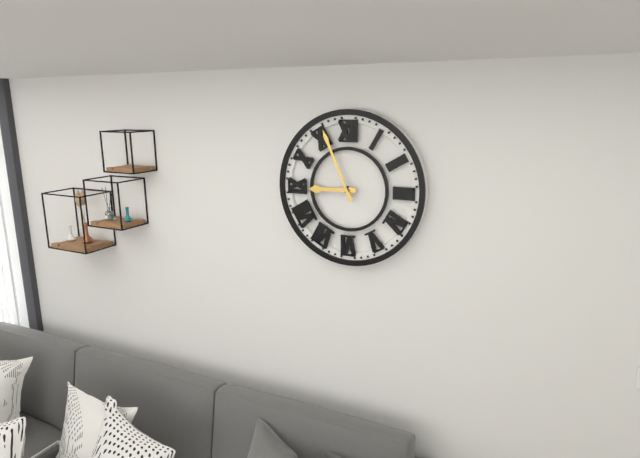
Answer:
{"hour": 8, "minute": 56}
